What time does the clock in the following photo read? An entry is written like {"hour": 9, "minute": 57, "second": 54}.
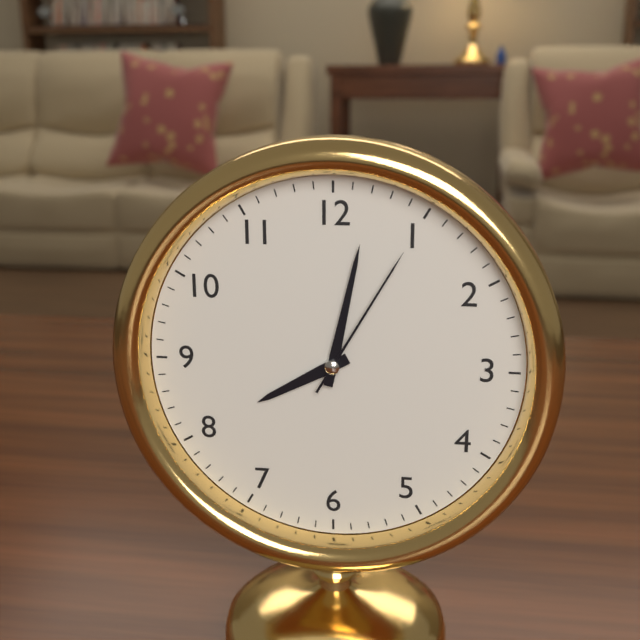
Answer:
{"hour": 8, "minute": 2, "second": 5}
